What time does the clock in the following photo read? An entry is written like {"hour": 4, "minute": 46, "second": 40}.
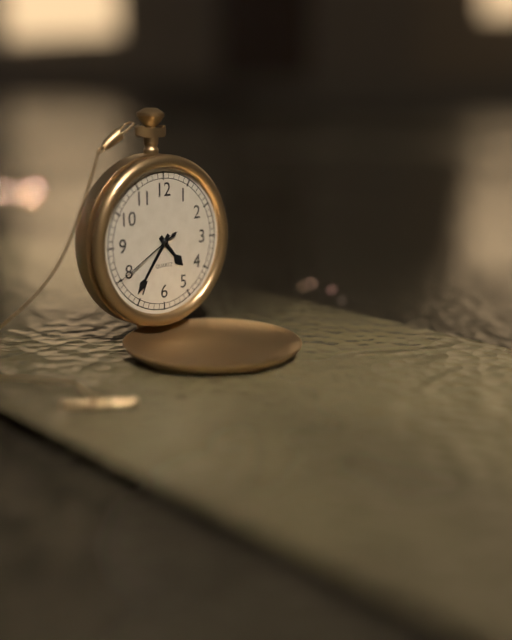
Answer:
{"hour": 4, "minute": 36, "second": 40}
